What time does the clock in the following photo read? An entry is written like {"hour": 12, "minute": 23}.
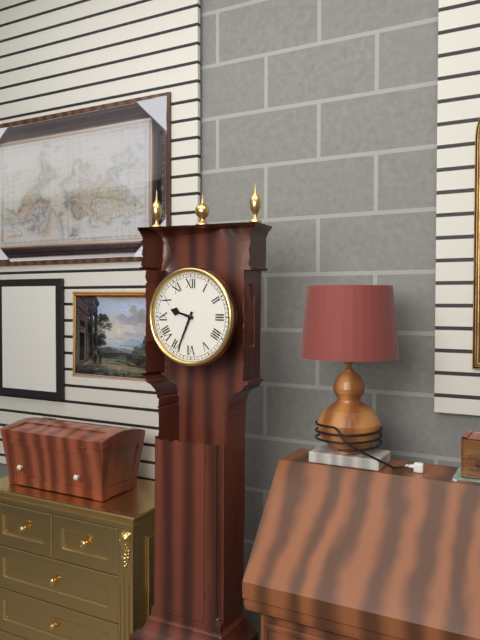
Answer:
{"hour": 9, "minute": 34}
